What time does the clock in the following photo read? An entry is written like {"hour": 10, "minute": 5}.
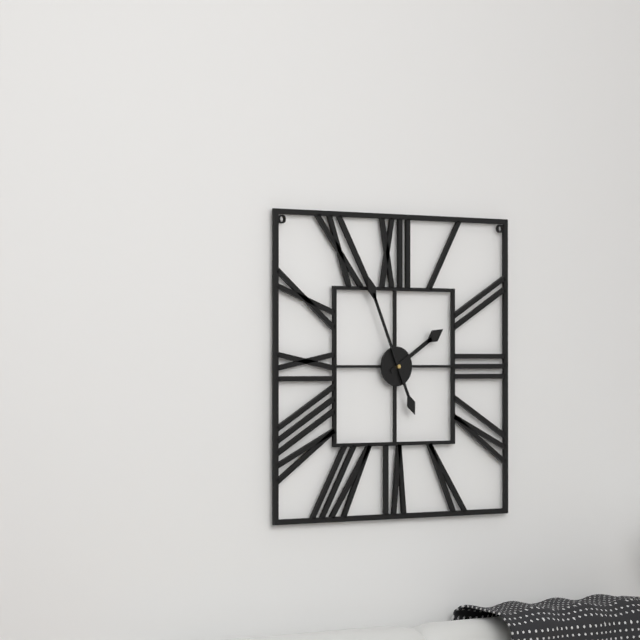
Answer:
{"hour": 1, "minute": 56}
